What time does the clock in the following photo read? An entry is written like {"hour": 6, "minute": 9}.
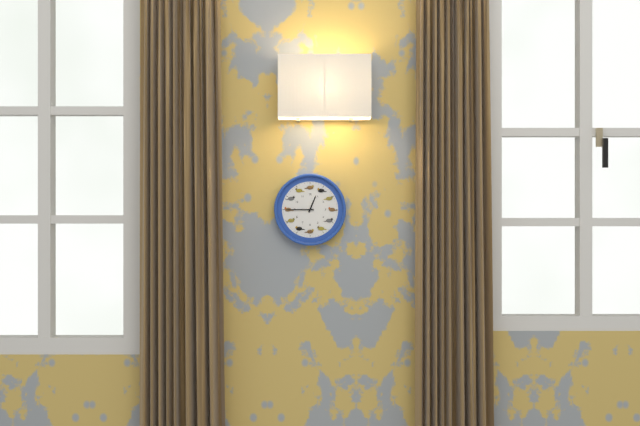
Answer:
{"hour": 12, "minute": 45}
